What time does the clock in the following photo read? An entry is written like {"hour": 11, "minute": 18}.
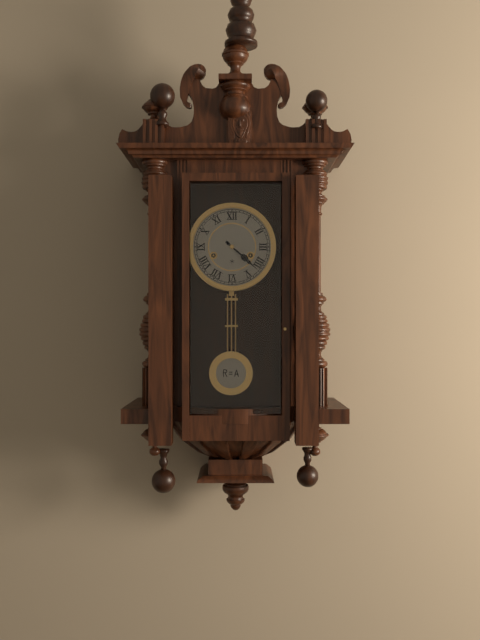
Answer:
{"hour": 4, "minute": 22}
